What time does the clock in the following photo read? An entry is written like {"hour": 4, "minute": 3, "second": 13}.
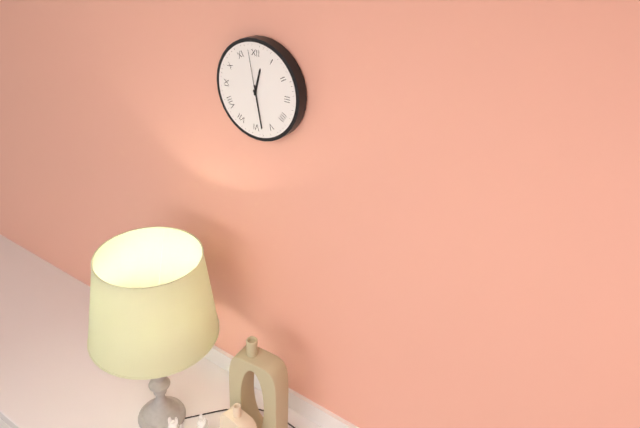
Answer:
{"hour": 12, "minute": 28, "second": 58}
